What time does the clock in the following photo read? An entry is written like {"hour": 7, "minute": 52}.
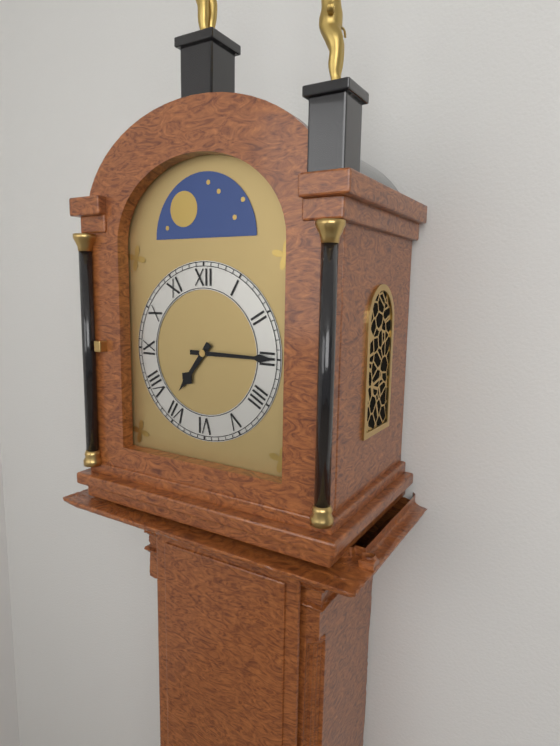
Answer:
{"hour": 7, "minute": 15}
